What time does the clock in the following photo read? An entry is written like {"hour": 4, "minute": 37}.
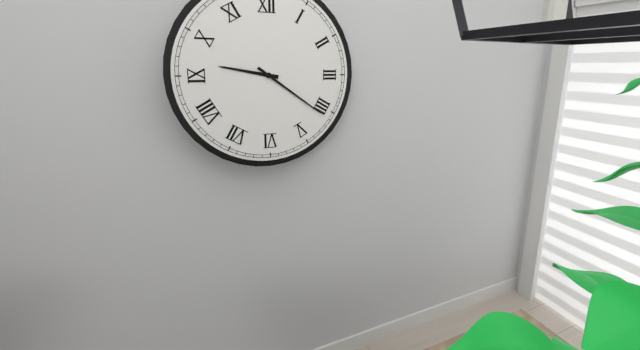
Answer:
{"hour": 9, "minute": 21}
